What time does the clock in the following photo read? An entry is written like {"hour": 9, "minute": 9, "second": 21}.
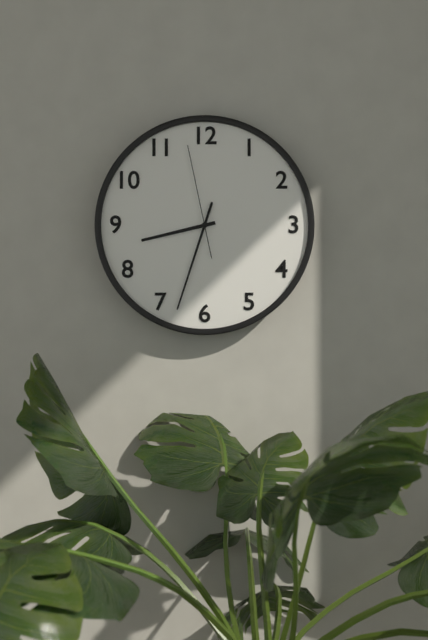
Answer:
{"hour": 8, "minute": 33, "second": 58}
